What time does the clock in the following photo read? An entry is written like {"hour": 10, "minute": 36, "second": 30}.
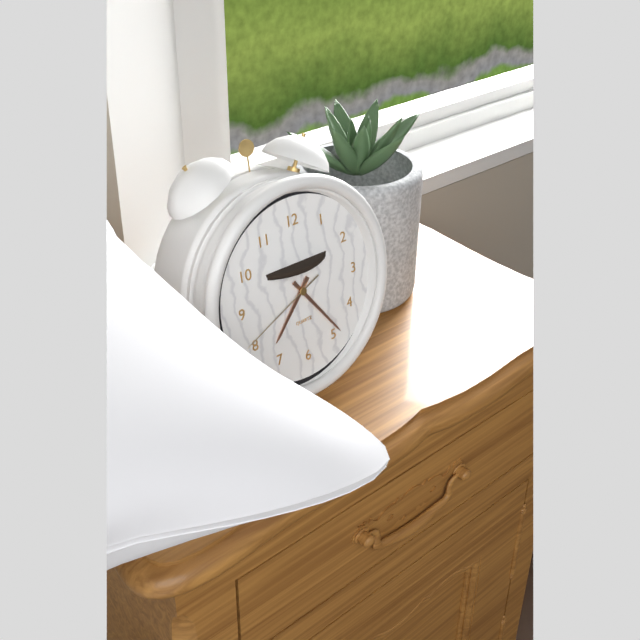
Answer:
{"hour": 7, "minute": 24, "second": 41}
